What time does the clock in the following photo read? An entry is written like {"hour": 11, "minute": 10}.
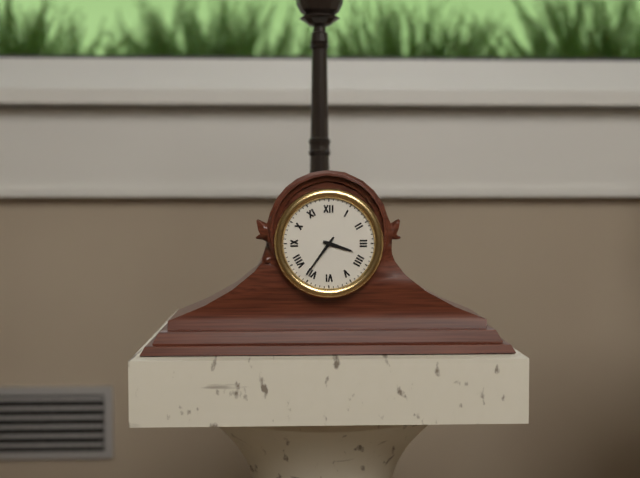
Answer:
{"hour": 3, "minute": 36}
